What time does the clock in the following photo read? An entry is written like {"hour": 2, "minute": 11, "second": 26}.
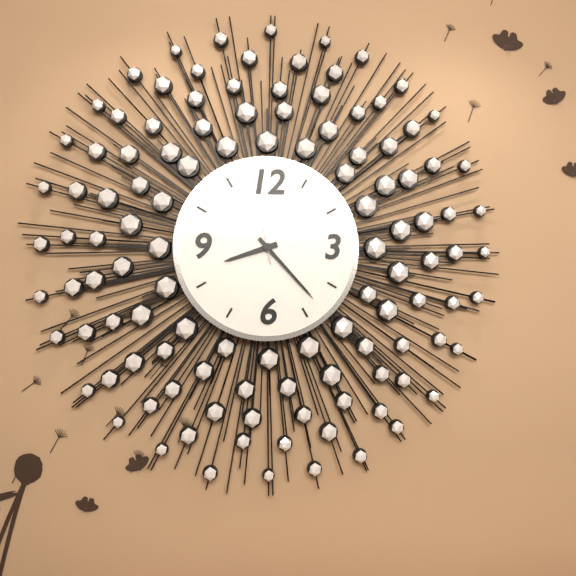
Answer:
{"hour": 8, "minute": 23, "second": 58}
